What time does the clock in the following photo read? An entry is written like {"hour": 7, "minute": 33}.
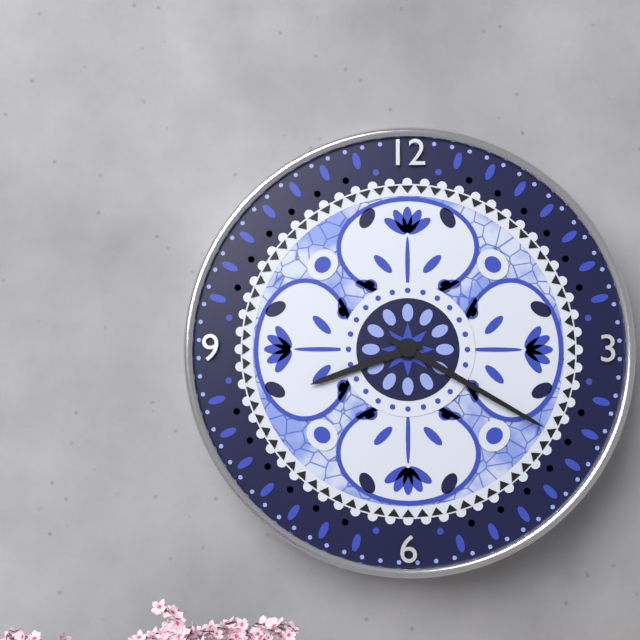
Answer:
{"hour": 8, "minute": 20}
